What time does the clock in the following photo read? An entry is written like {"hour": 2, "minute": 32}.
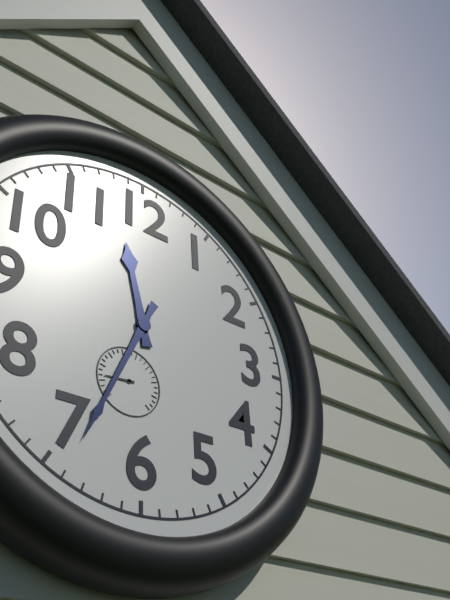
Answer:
{"hour": 11, "minute": 34}
